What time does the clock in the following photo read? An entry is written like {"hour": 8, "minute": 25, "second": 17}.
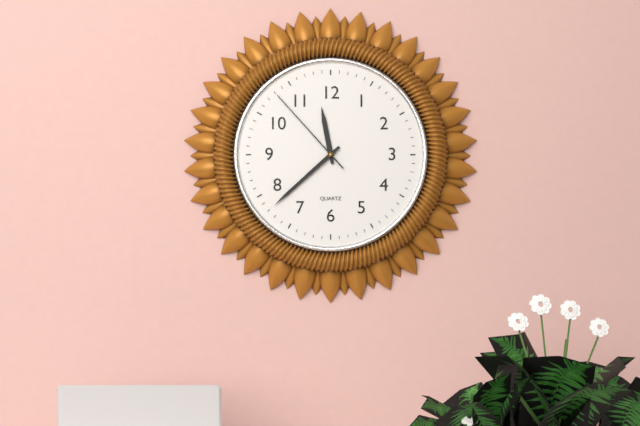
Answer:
{"hour": 11, "minute": 38, "second": 53}
